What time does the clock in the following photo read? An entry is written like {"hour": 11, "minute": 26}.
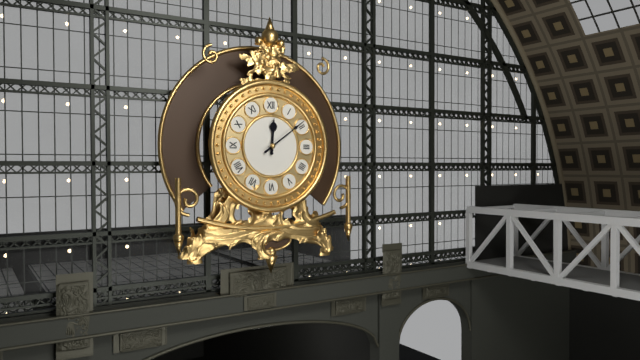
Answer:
{"hour": 12, "minute": 9}
